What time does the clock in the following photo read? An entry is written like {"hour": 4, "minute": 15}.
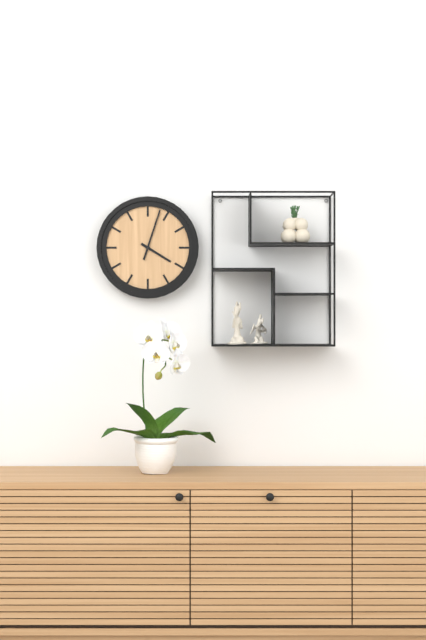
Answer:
{"hour": 4, "minute": 3}
